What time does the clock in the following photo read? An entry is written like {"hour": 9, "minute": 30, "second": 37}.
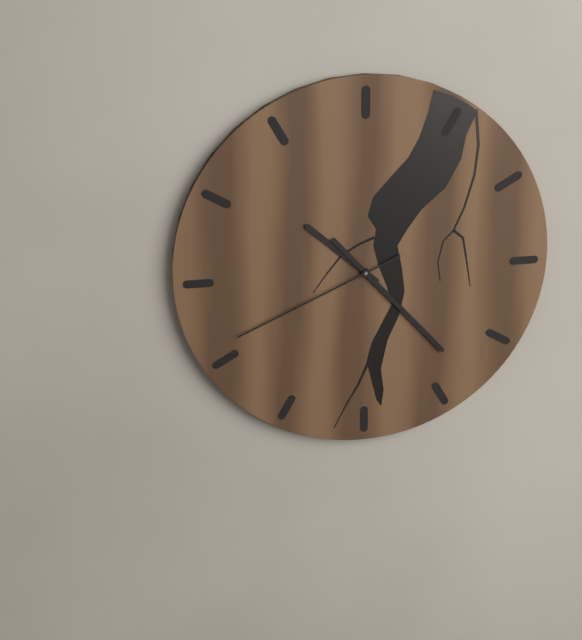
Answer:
{"hour": 10, "minute": 23, "second": 41}
